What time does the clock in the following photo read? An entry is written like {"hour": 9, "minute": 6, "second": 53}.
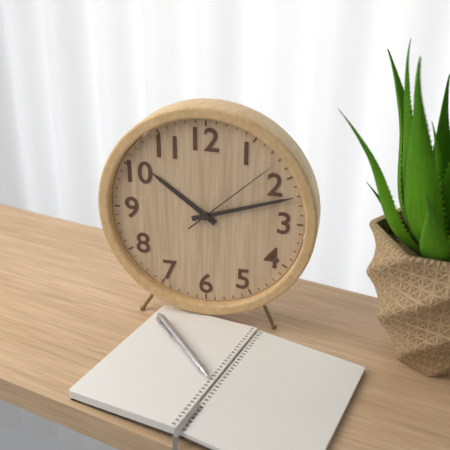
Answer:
{"hour": 10, "minute": 12, "second": 8}
